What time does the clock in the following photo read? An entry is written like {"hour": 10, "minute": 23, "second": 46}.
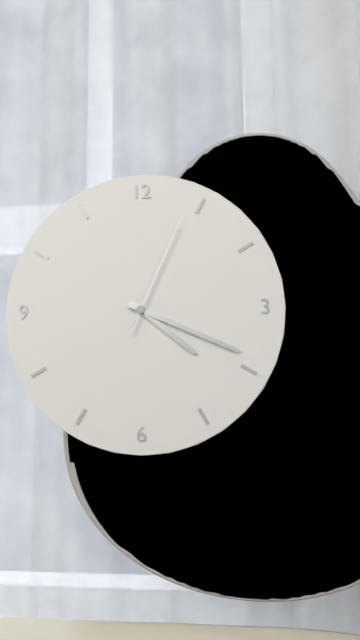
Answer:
{"hour": 4, "minute": 19, "second": 4}
